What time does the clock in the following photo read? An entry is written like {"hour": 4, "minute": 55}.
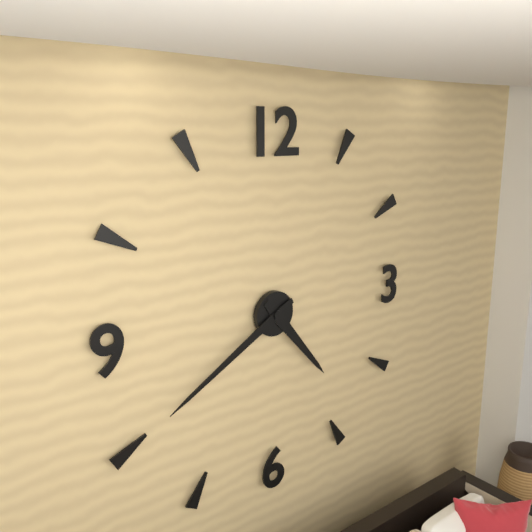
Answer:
{"hour": 4, "minute": 40}
